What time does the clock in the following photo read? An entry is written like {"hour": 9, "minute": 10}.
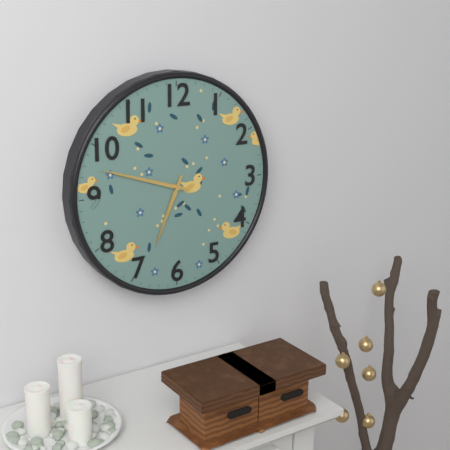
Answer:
{"hour": 6, "minute": 48}
